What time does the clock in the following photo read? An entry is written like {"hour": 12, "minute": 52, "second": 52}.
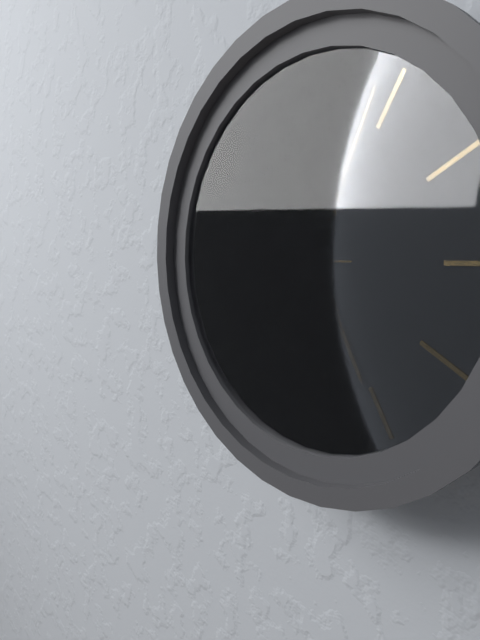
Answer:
{"hour": 5, "minute": 4, "second": 45}
